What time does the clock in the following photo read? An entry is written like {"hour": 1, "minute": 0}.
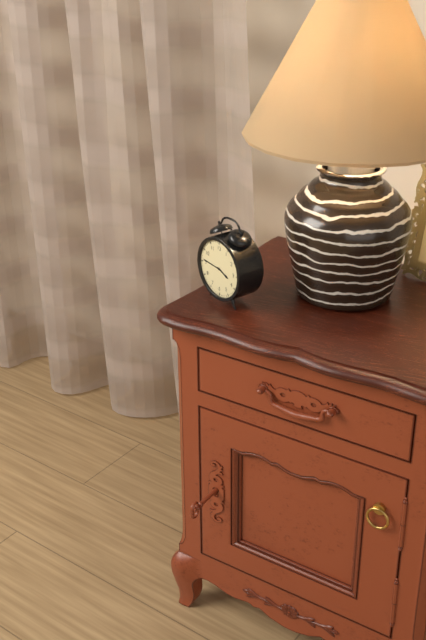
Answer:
{"hour": 3, "minute": 46}
